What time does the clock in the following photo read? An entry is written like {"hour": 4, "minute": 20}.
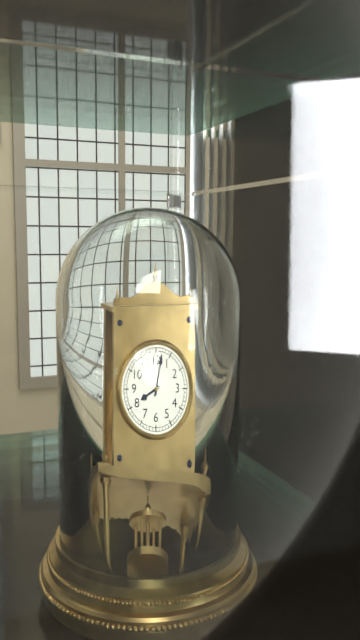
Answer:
{"hour": 8, "minute": 2}
